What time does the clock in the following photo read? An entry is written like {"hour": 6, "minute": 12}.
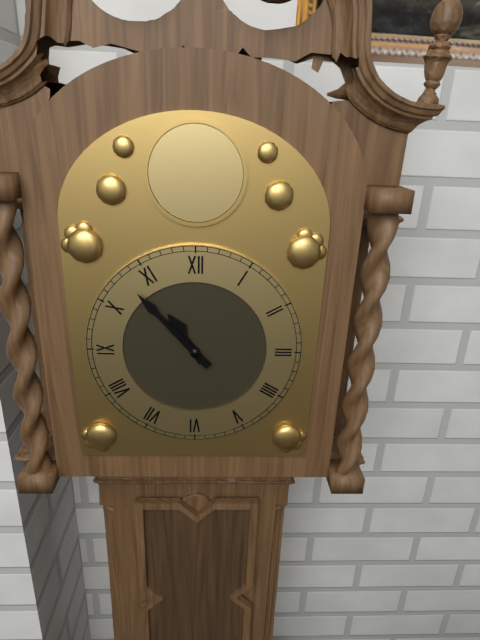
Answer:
{"hour": 10, "minute": 53}
